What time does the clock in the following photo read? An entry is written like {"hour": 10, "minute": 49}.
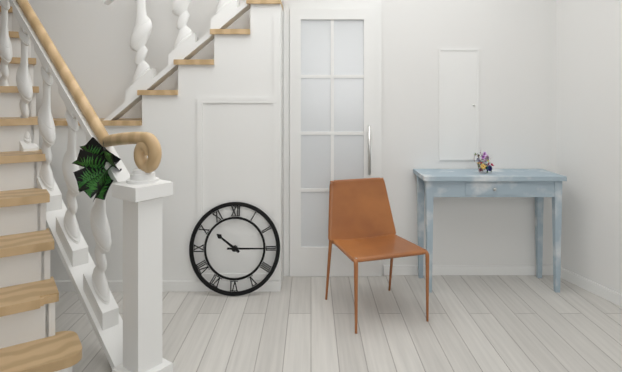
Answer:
{"hour": 10, "minute": 15}
